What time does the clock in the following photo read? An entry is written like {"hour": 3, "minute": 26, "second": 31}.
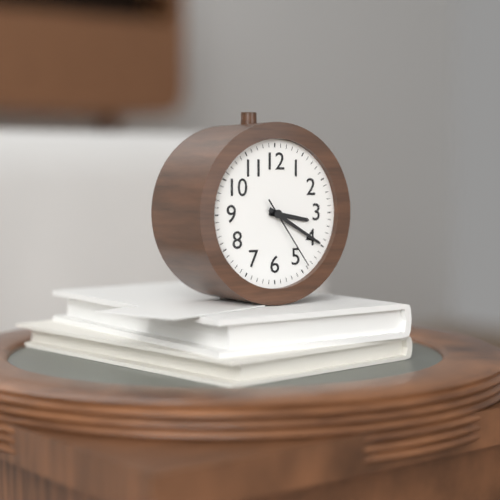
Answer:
{"hour": 3, "minute": 20, "second": 24}
